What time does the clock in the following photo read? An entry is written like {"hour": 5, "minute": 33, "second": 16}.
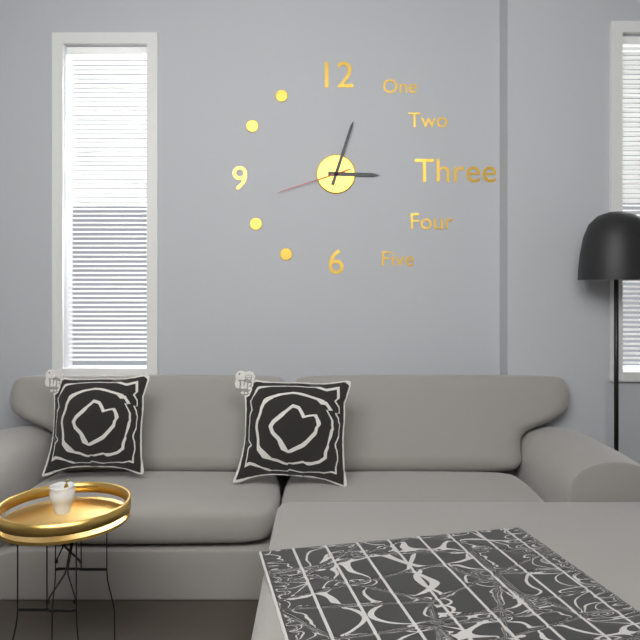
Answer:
{"hour": 3, "minute": 3, "second": 42}
